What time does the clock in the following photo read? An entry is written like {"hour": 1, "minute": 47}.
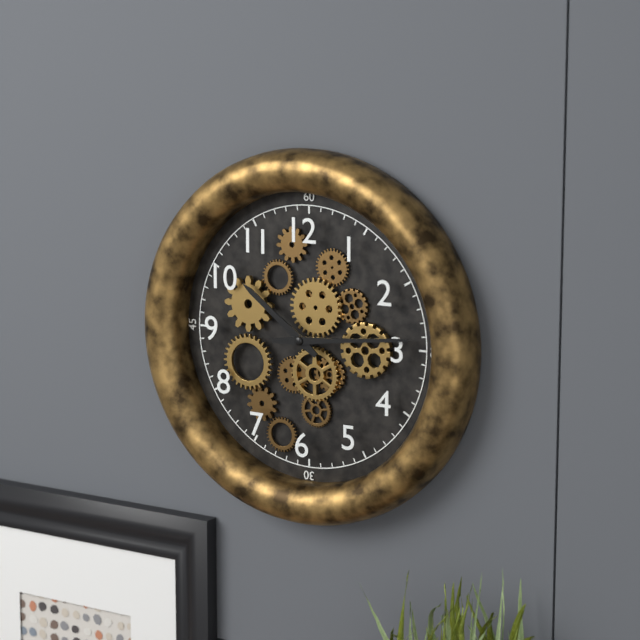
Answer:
{"hour": 10, "minute": 14}
